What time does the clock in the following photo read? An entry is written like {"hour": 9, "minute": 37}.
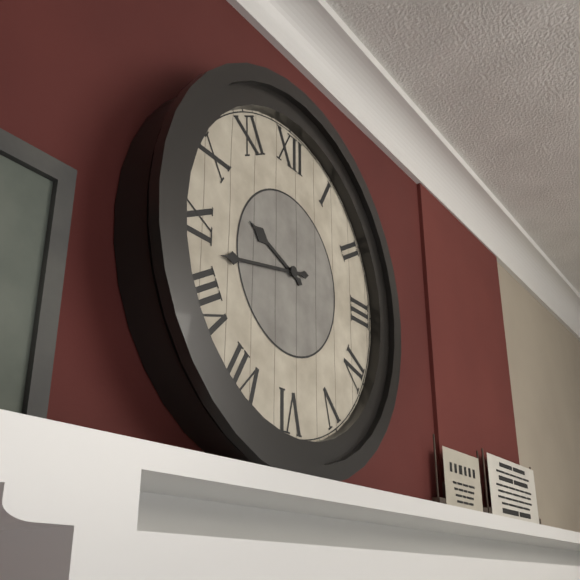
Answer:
{"hour": 9, "minute": 43}
